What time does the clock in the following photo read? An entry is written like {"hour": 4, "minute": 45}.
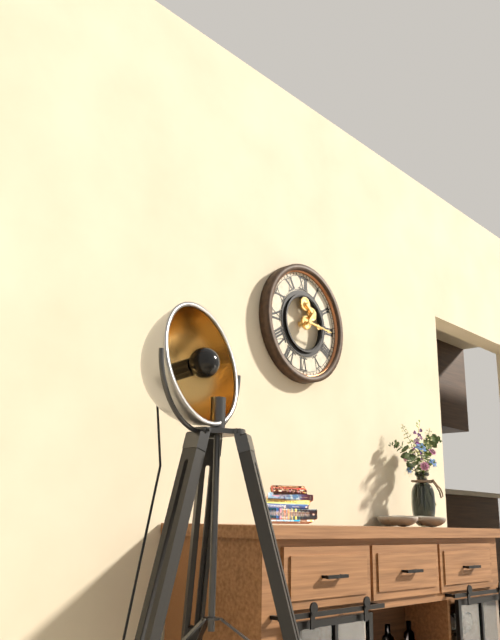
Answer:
{"hour": 3, "minute": 16}
